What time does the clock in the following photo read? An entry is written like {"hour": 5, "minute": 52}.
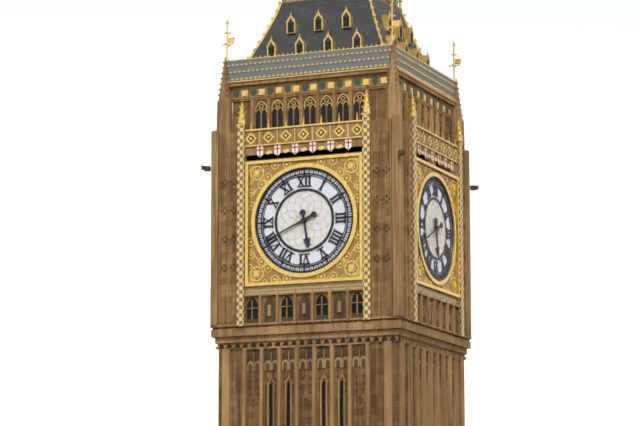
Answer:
{"hour": 5, "minute": 41}
